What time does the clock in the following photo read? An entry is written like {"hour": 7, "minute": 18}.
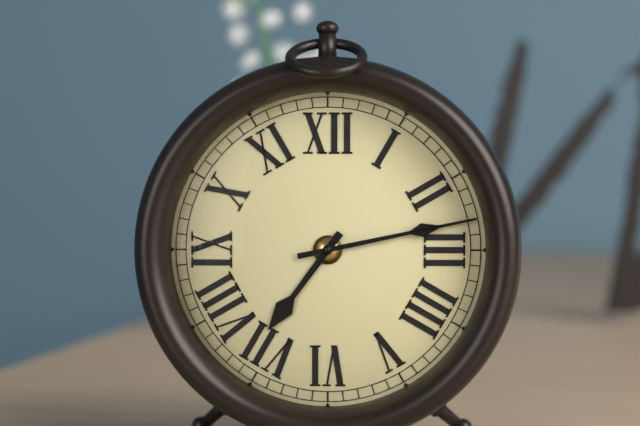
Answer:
{"hour": 7, "minute": 13}
